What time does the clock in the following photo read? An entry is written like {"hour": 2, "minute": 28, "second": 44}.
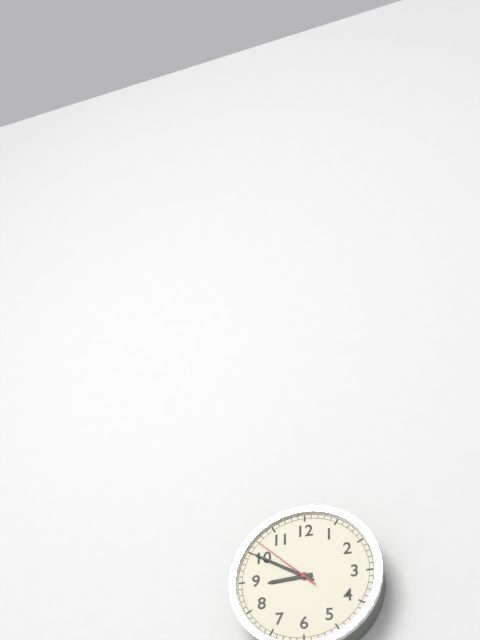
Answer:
{"hour": 8, "minute": 50, "second": 52}
